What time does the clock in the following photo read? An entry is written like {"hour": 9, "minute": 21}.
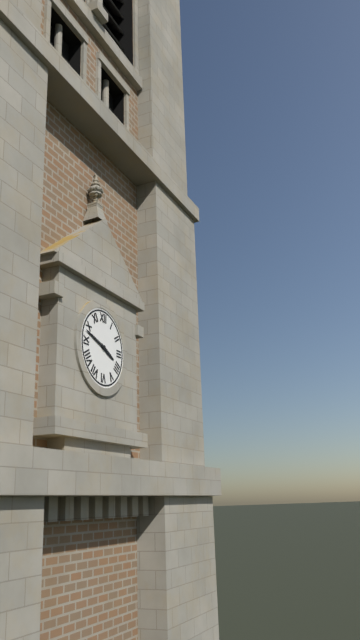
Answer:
{"hour": 3, "minute": 48}
